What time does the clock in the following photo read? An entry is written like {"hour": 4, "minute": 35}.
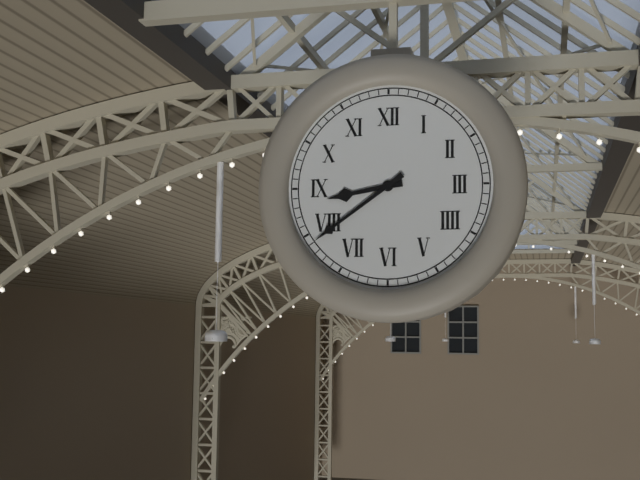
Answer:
{"hour": 8, "minute": 39}
